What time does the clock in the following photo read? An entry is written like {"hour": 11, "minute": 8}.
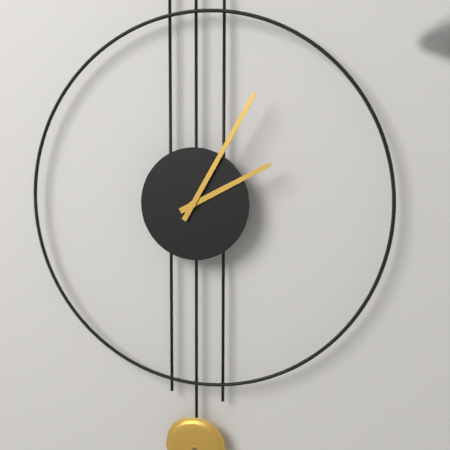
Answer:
{"hour": 2, "minute": 5}
